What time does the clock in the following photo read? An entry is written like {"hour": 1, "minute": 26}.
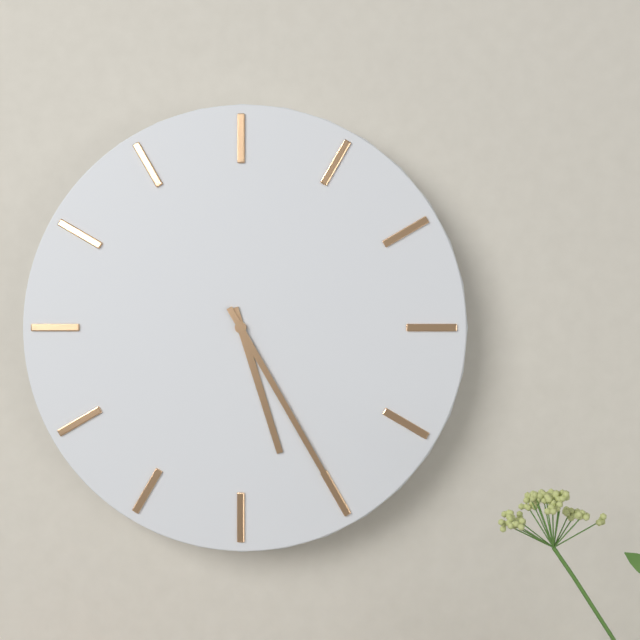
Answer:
{"hour": 5, "minute": 25}
